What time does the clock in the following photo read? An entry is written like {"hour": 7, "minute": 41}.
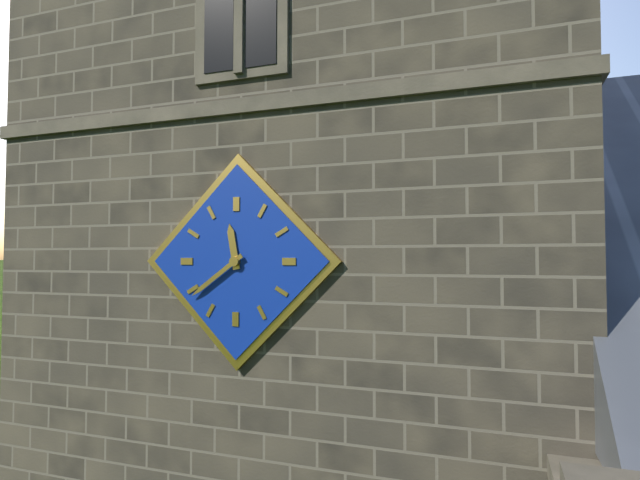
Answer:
{"hour": 11, "minute": 39}
